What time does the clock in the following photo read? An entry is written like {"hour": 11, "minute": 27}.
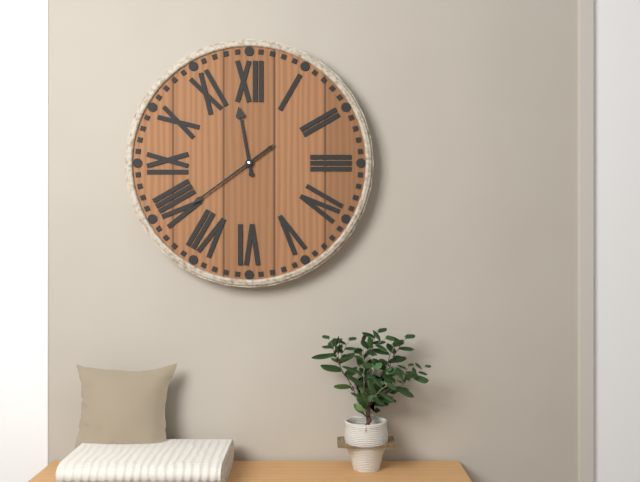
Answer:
{"hour": 11, "minute": 39}
